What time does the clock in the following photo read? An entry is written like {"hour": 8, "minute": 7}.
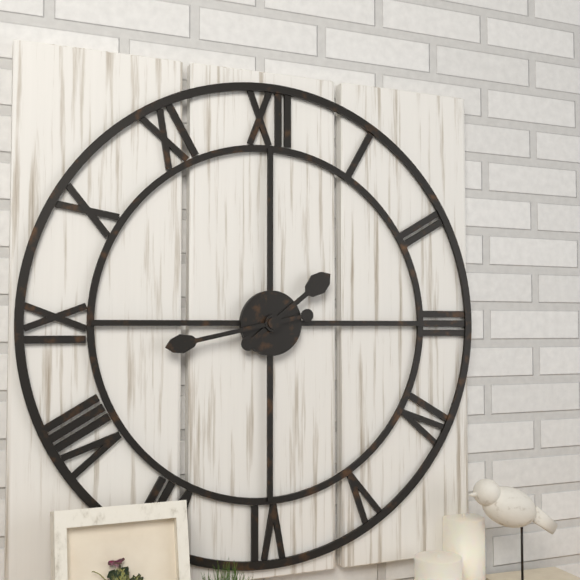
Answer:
{"hour": 1, "minute": 43}
